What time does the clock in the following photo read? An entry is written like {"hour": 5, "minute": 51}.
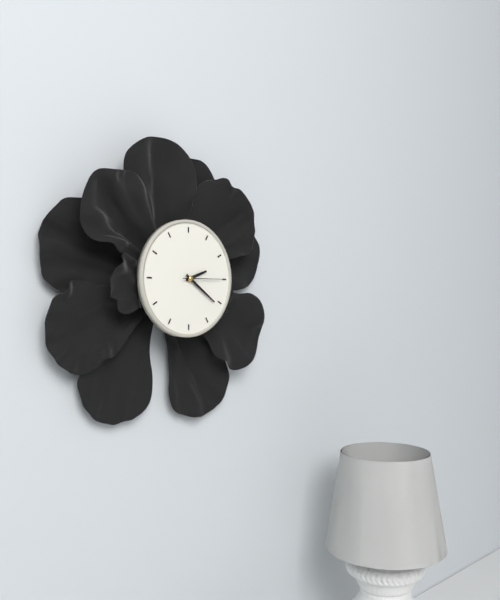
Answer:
{"hour": 2, "minute": 21}
